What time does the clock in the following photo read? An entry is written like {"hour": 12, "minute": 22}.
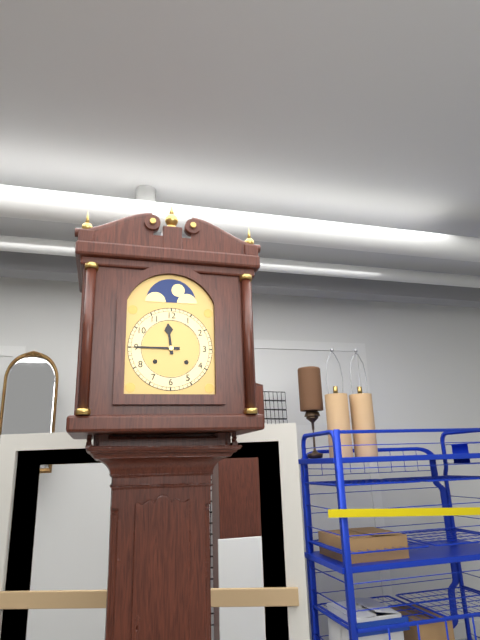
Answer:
{"hour": 11, "minute": 45}
